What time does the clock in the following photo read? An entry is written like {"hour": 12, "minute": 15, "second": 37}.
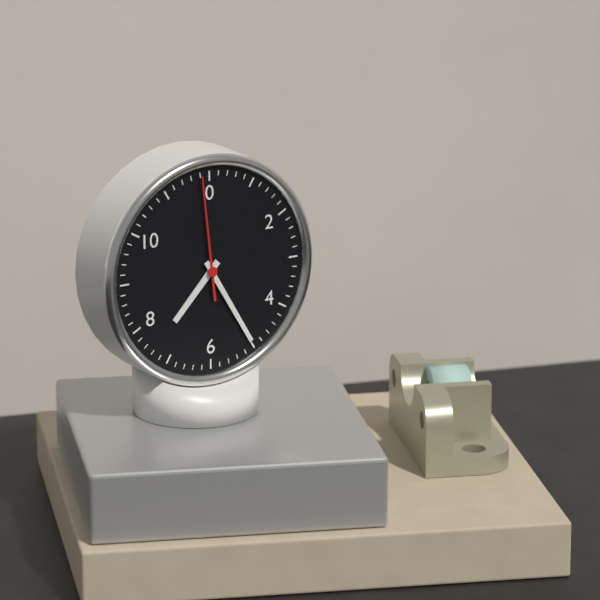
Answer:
{"hour": 7, "minute": 25, "second": 59}
